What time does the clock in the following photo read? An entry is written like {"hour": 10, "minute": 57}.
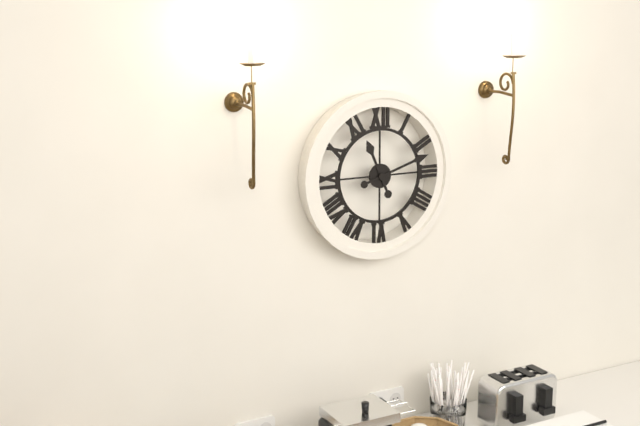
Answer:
{"hour": 11, "minute": 12}
